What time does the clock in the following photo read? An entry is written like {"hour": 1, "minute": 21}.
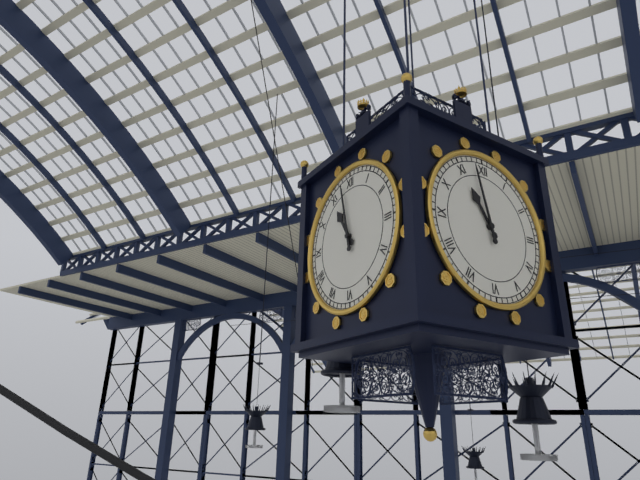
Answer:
{"hour": 10, "minute": 58}
